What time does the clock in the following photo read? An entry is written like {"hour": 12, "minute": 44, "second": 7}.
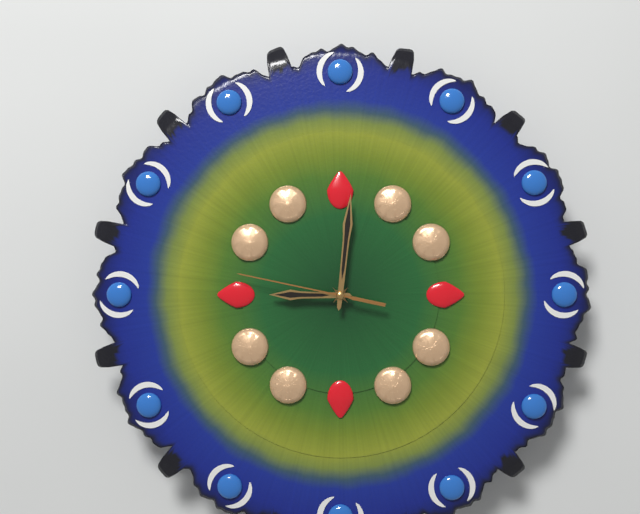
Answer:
{"hour": 9, "minute": 1, "second": 47}
